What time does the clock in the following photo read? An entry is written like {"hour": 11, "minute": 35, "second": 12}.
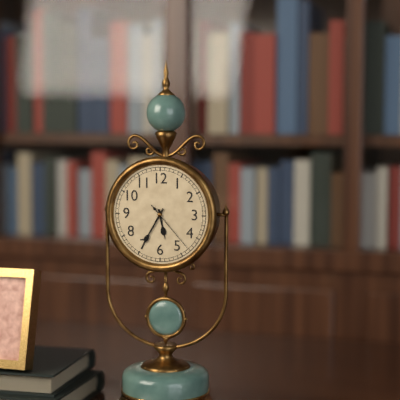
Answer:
{"hour": 5, "minute": 35, "second": 23}
